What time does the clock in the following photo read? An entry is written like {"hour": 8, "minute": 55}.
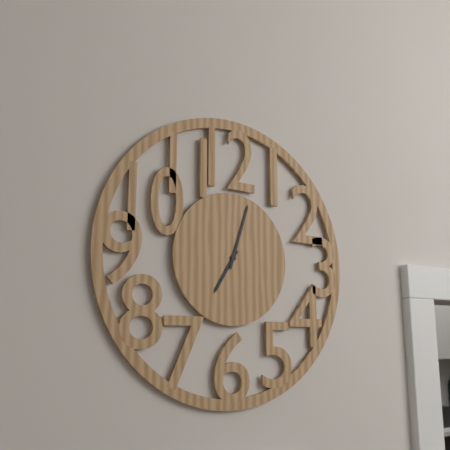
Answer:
{"hour": 7, "minute": 3}
